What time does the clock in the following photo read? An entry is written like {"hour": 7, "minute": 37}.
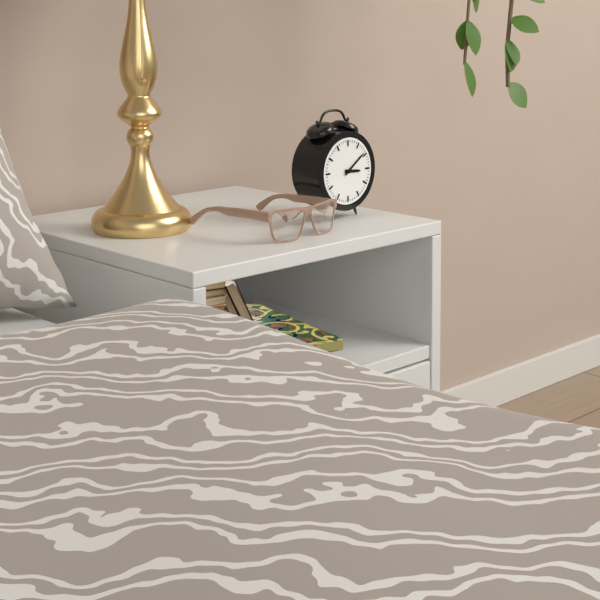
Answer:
{"hour": 3, "minute": 9}
